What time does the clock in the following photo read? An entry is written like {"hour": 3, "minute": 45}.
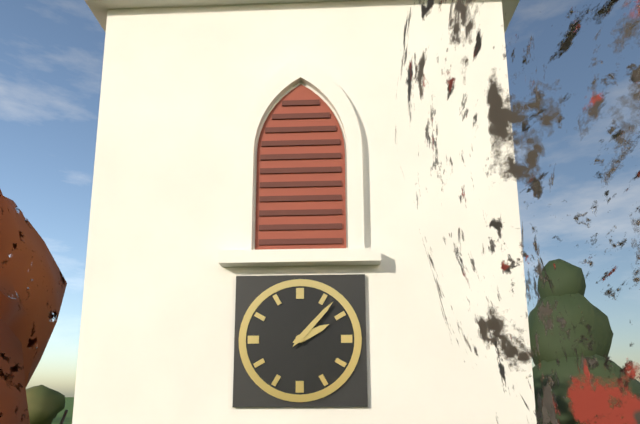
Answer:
{"hour": 2, "minute": 7}
